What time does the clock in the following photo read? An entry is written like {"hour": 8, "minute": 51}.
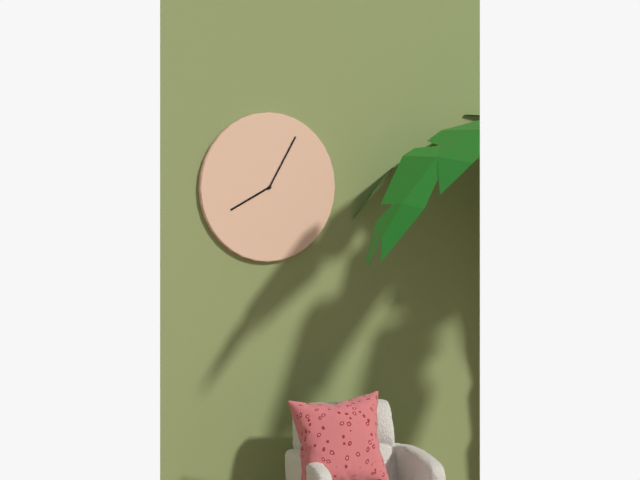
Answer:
{"hour": 8, "minute": 5}
